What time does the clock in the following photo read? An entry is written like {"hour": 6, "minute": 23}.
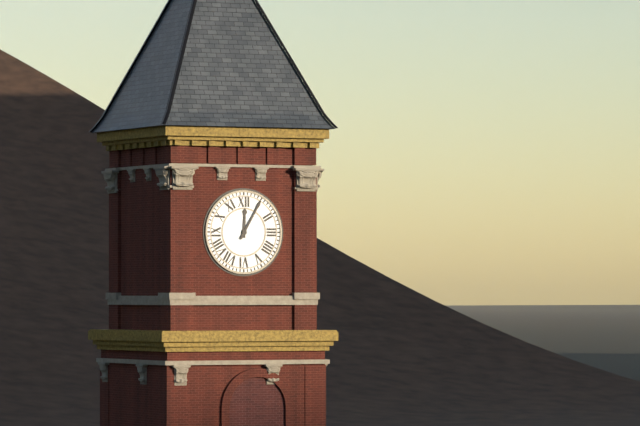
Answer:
{"hour": 12, "minute": 5}
